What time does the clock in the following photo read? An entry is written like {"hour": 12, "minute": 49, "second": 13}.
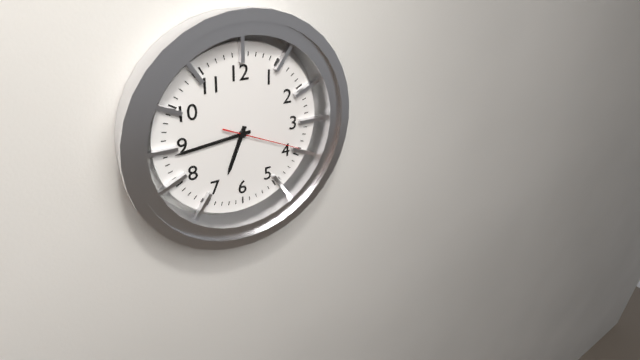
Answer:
{"hour": 6, "minute": 44, "second": 19}
